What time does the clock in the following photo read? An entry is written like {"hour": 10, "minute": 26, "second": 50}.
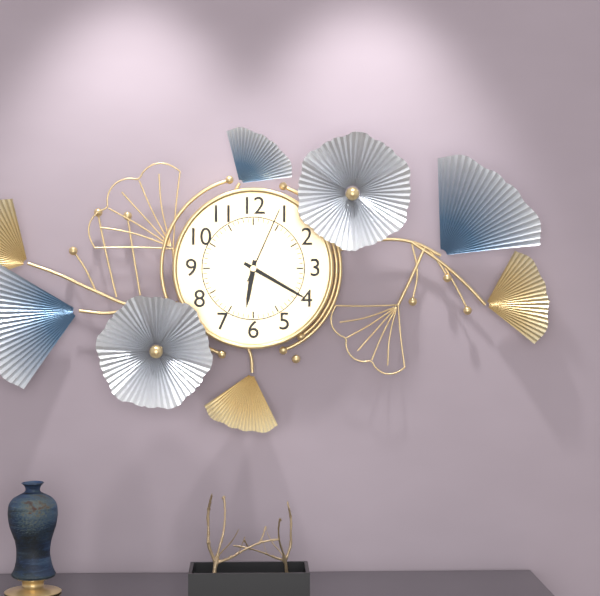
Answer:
{"hour": 6, "minute": 20, "second": 4}
